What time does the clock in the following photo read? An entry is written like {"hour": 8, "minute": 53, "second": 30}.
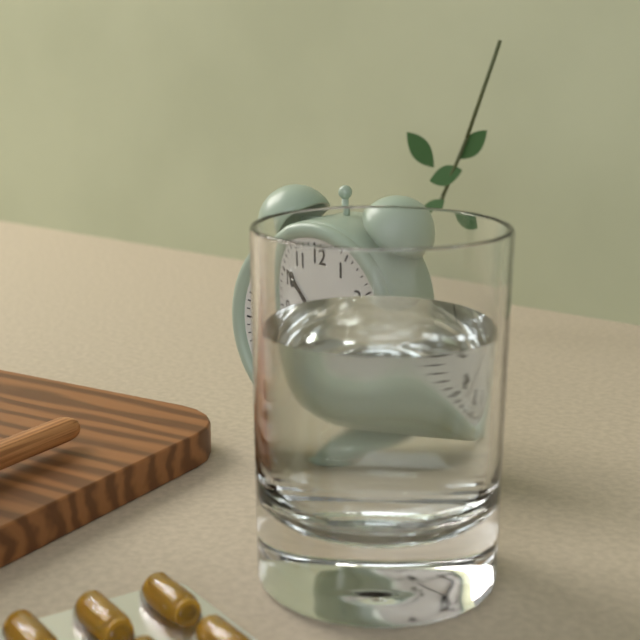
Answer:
{"hour": 8, "minute": 51, "second": 21}
